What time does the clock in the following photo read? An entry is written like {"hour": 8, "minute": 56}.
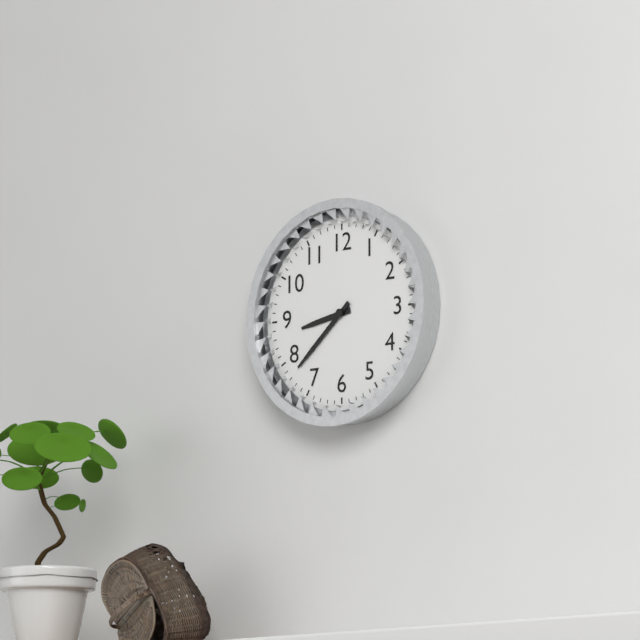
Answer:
{"hour": 8, "minute": 38}
